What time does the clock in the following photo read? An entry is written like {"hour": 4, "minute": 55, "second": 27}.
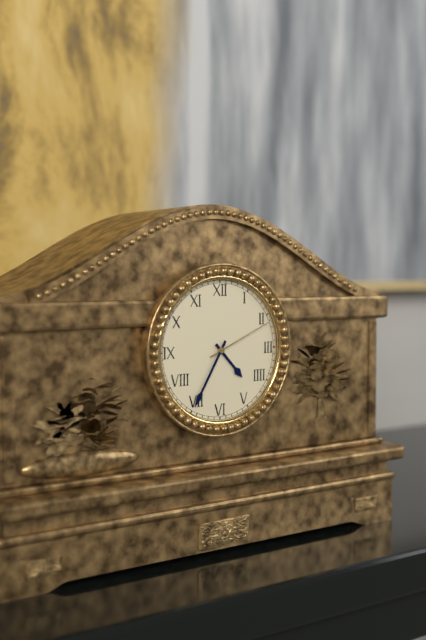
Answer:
{"hour": 4, "minute": 35, "second": 11}
